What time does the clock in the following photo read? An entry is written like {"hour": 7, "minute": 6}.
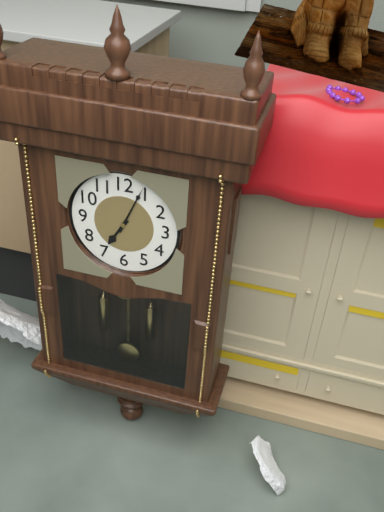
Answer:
{"hour": 7, "minute": 4}
